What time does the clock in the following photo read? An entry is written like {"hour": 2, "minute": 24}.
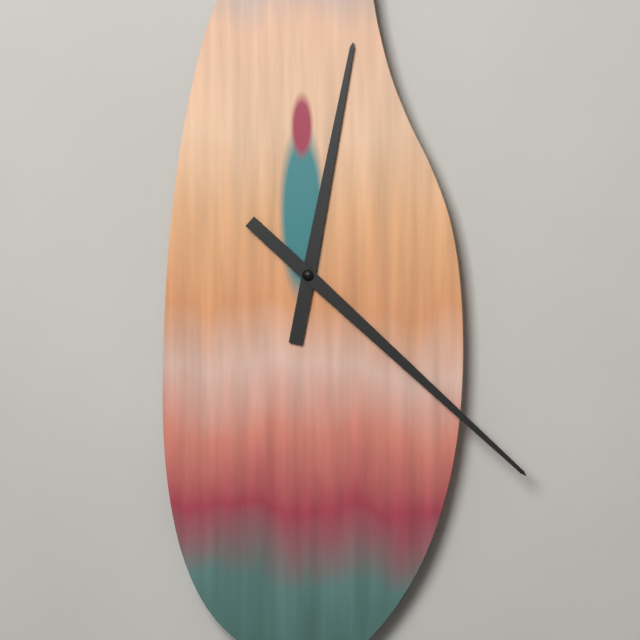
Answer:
{"hour": 12, "minute": 22}
